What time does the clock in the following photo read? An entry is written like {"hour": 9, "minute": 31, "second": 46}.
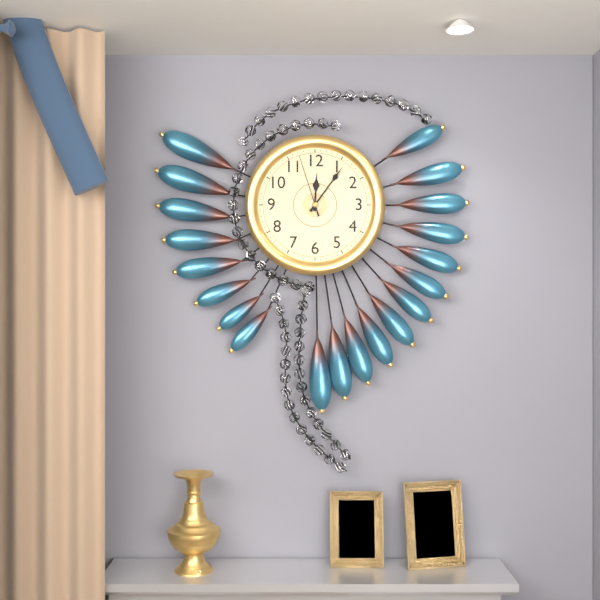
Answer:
{"hour": 12, "minute": 6, "second": 57}
